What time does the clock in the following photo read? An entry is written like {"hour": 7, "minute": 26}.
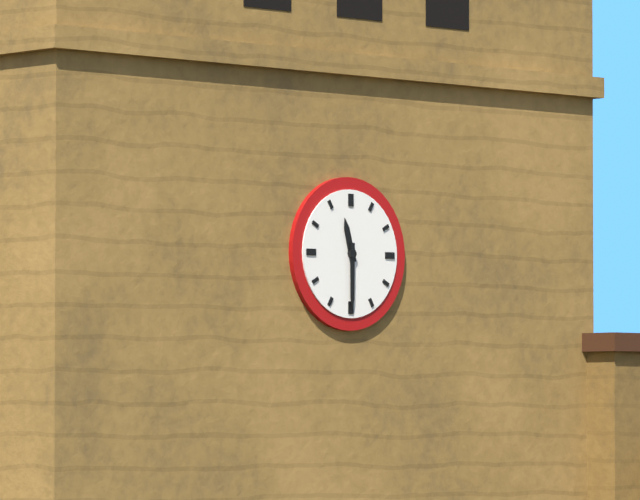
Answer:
{"hour": 11, "minute": 30}
